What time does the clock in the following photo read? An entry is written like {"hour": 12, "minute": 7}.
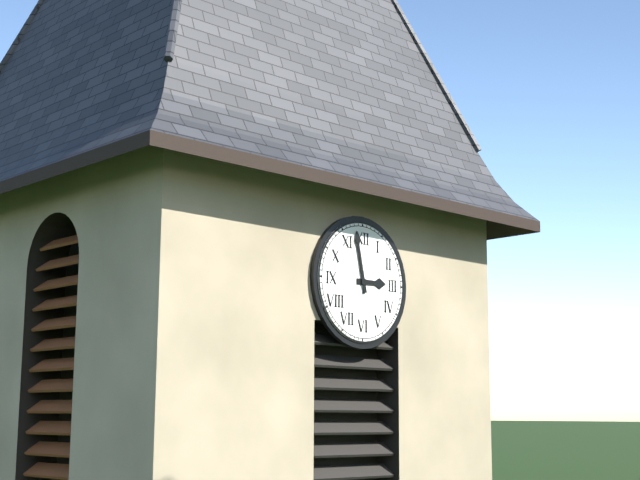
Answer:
{"hour": 2, "minute": 58}
